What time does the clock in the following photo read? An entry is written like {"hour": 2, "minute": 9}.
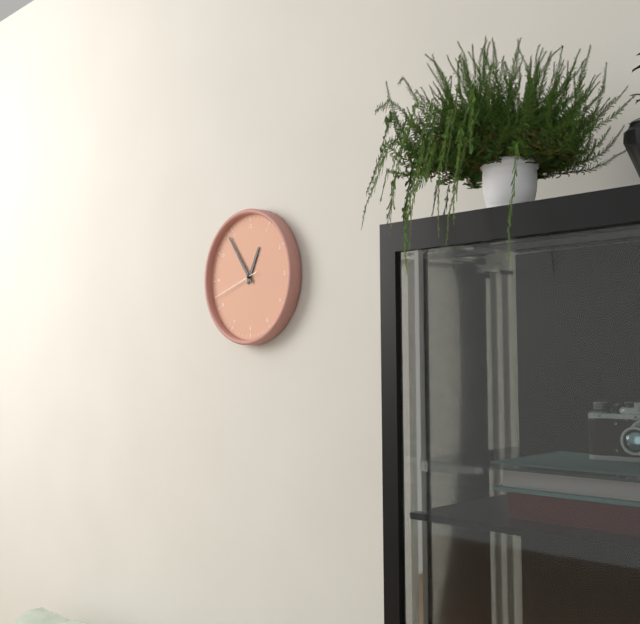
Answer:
{"hour": 12, "minute": 54}
